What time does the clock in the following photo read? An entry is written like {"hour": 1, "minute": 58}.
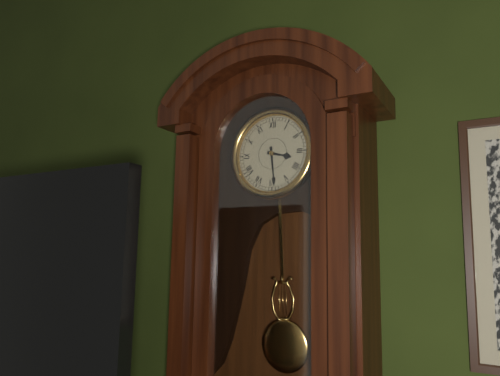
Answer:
{"hour": 3, "minute": 29}
